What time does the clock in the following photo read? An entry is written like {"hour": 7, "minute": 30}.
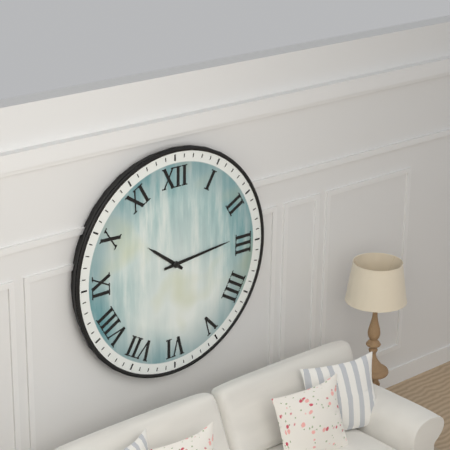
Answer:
{"hour": 10, "minute": 14}
